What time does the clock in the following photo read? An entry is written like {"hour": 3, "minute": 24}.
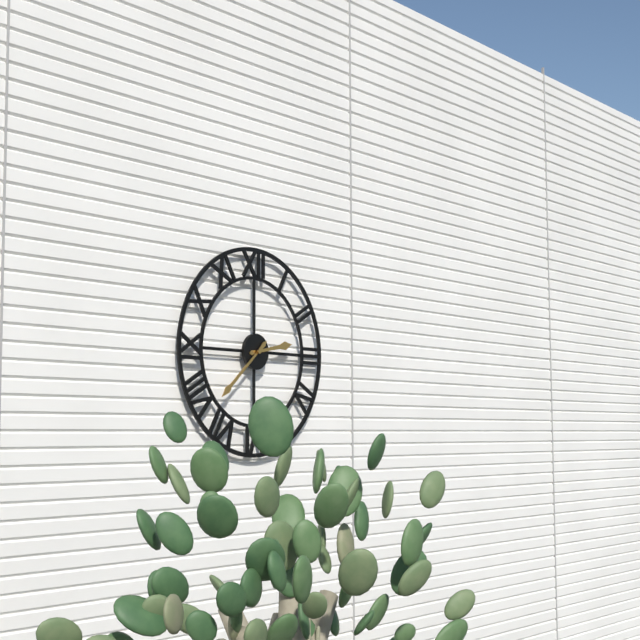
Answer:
{"hour": 2, "minute": 38}
